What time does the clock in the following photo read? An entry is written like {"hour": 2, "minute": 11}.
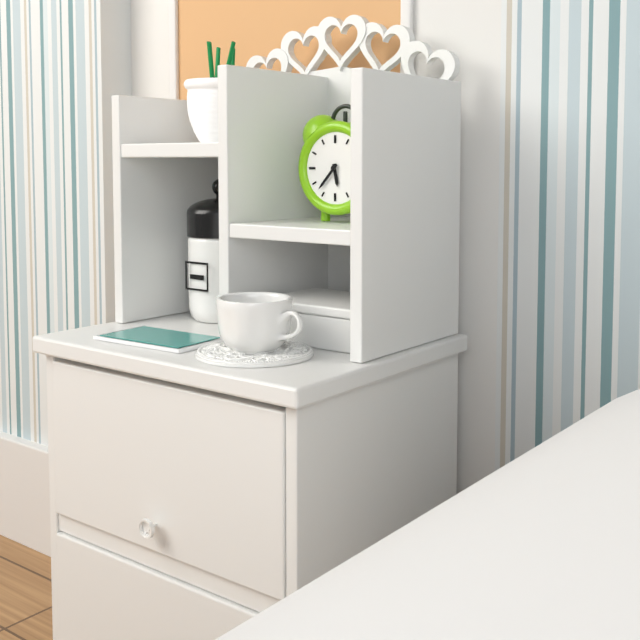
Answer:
{"hour": 5, "minute": 37}
